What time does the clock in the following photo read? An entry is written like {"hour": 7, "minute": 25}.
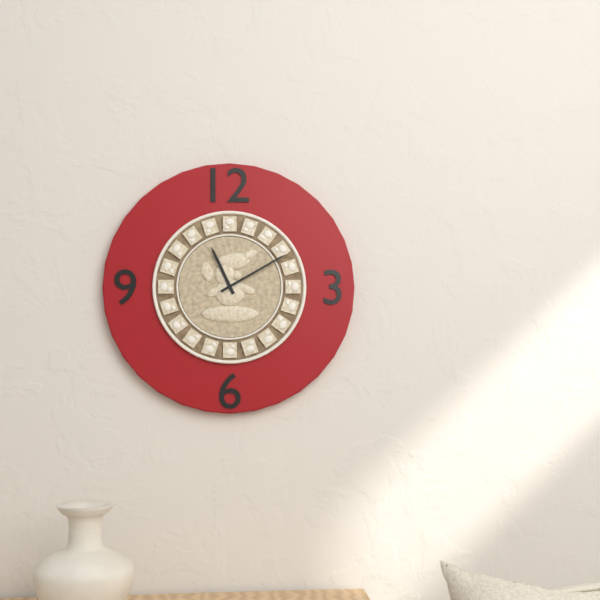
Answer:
{"hour": 11, "minute": 10}
